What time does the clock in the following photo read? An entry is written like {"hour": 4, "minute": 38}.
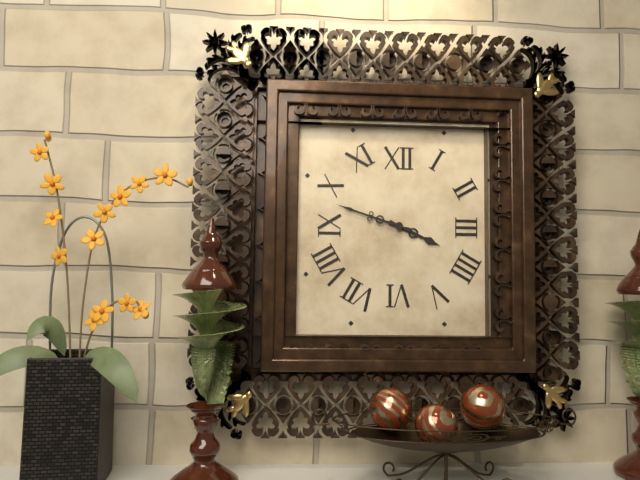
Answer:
{"hour": 3, "minute": 48}
